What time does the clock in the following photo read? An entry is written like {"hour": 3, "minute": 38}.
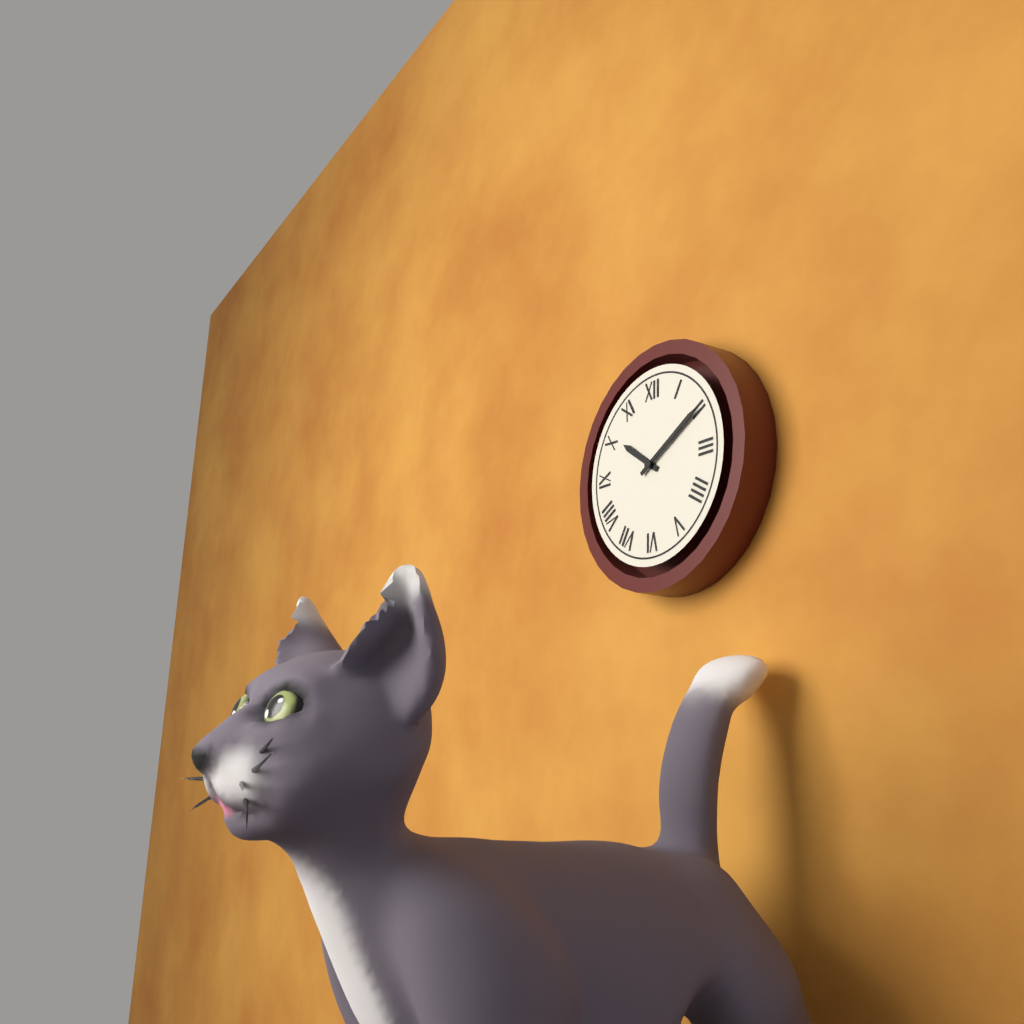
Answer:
{"hour": 10, "minute": 10}
